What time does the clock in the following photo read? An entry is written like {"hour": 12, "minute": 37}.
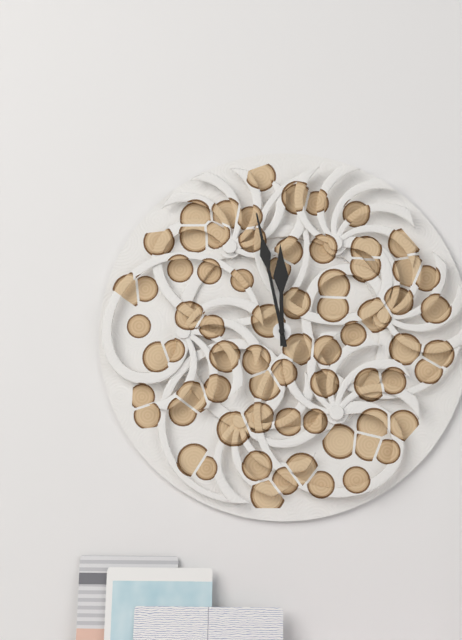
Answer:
{"hour": 11, "minute": 58}
